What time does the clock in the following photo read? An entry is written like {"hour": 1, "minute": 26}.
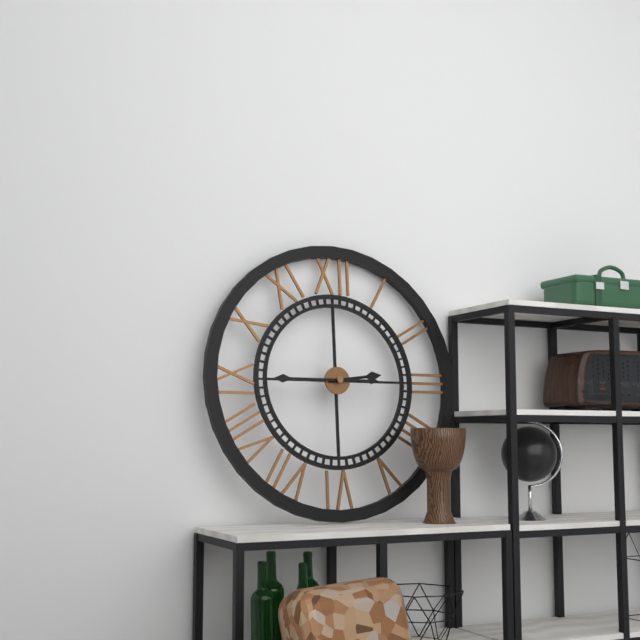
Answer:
{"hour": 2, "minute": 45}
